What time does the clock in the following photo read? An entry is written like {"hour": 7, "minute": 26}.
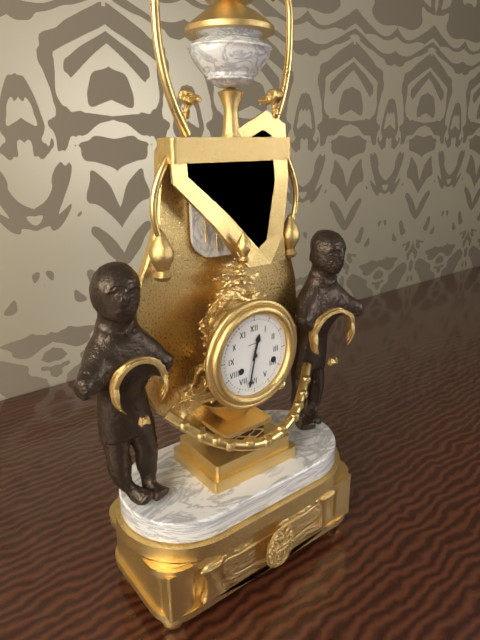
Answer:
{"hour": 12, "minute": 32}
